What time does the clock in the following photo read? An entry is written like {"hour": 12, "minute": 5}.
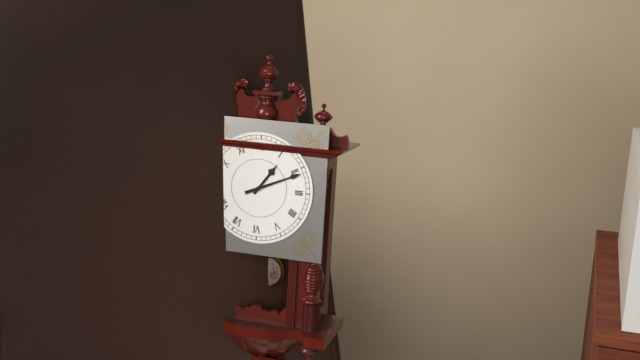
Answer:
{"hour": 1, "minute": 11}
